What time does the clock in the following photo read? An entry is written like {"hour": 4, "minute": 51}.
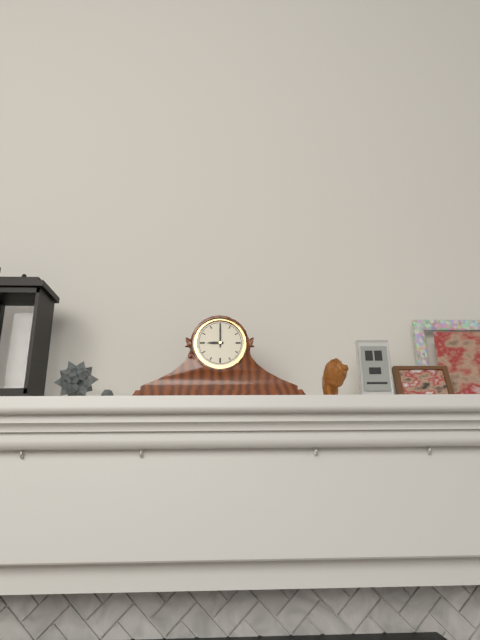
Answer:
{"hour": 9, "minute": 0}
